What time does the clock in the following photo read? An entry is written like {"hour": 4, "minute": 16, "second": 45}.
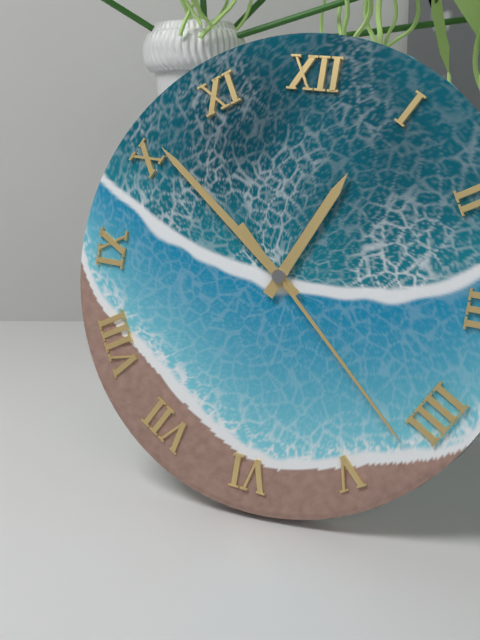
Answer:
{"hour": 12, "minute": 51, "second": 22}
